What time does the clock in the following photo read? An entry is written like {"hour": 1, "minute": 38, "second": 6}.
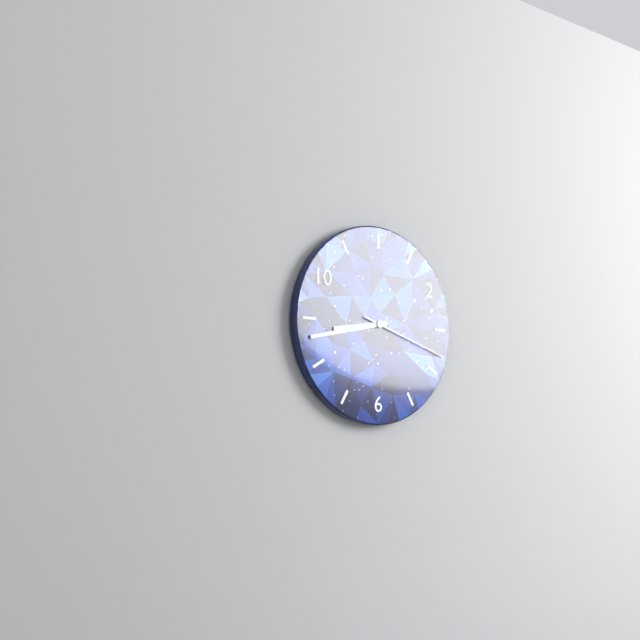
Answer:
{"hour": 8, "minute": 43, "second": 18}
